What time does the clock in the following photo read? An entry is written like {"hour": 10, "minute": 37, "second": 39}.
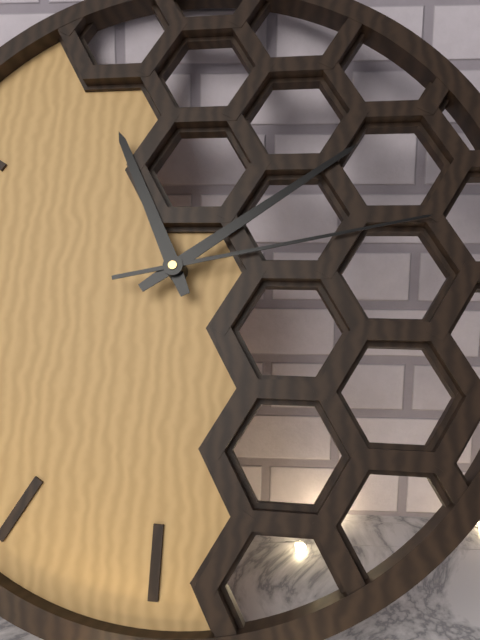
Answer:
{"hour": 11, "minute": 9, "second": 13}
